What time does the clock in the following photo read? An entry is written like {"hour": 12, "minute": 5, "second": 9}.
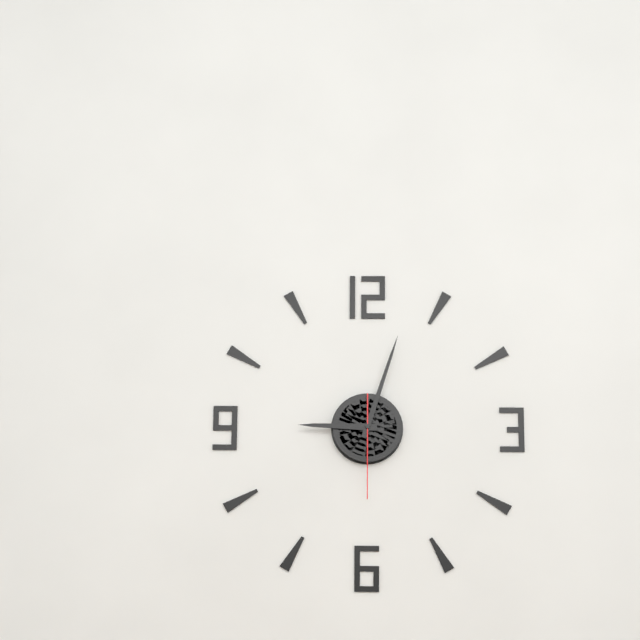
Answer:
{"hour": 9, "minute": 3, "second": 30}
